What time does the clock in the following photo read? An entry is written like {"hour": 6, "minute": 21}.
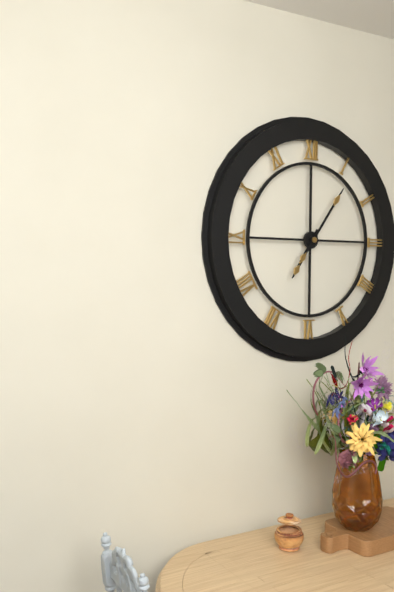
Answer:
{"hour": 7, "minute": 6}
